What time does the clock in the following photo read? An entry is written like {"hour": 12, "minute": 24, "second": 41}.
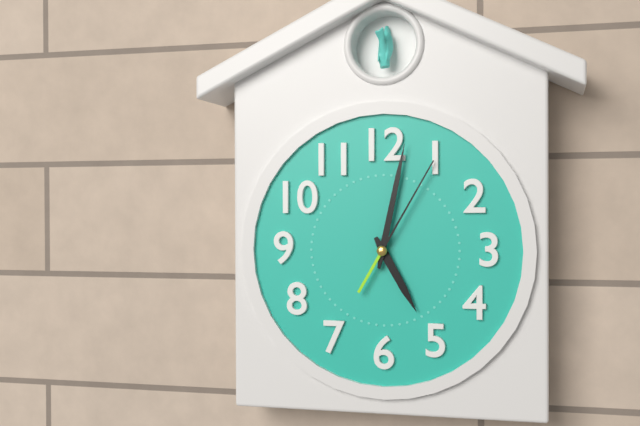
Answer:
{"hour": 5, "minute": 2, "second": 5}
